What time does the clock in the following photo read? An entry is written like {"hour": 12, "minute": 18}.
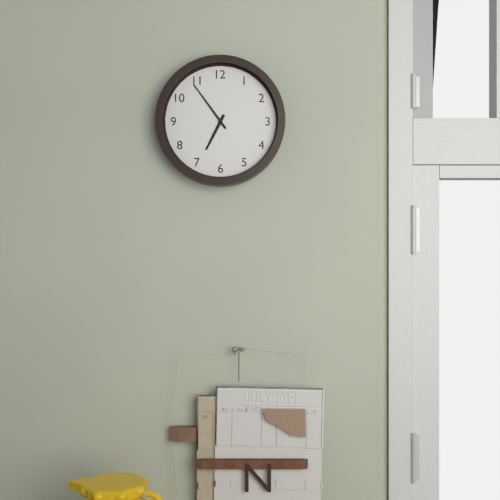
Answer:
{"hour": 6, "minute": 54}
